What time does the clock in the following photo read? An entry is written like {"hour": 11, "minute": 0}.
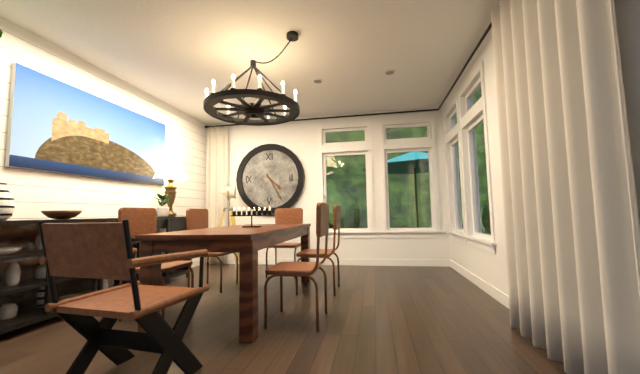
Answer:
{"hour": 4, "minute": 25}
